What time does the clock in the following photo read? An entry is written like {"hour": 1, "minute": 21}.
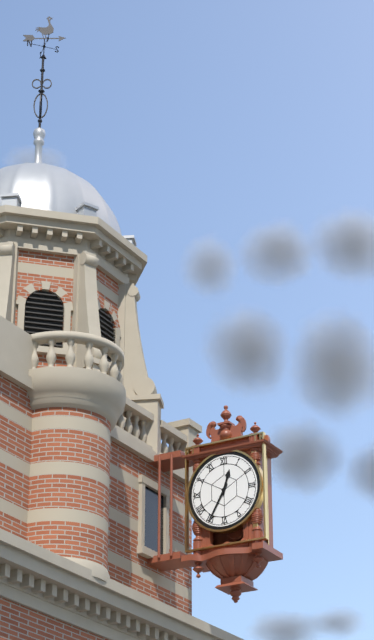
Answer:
{"hour": 12, "minute": 35}
